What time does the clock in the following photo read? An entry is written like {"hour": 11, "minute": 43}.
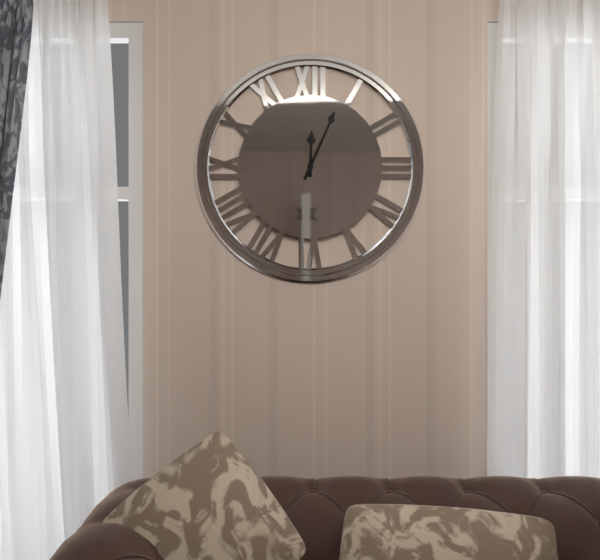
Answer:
{"hour": 12, "minute": 4}
